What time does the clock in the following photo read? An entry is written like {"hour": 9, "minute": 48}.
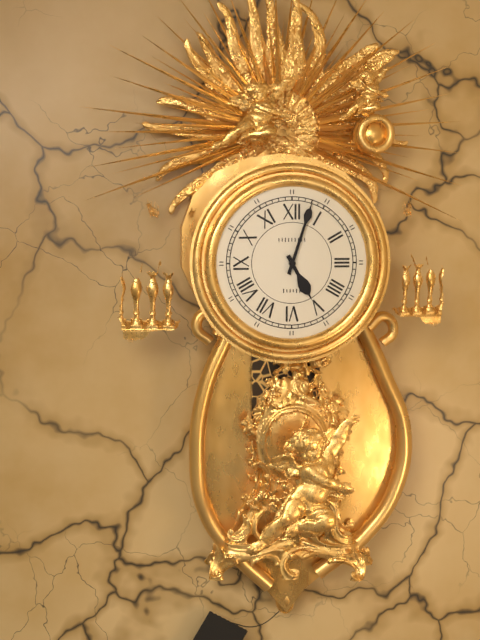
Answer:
{"hour": 5, "minute": 3}
